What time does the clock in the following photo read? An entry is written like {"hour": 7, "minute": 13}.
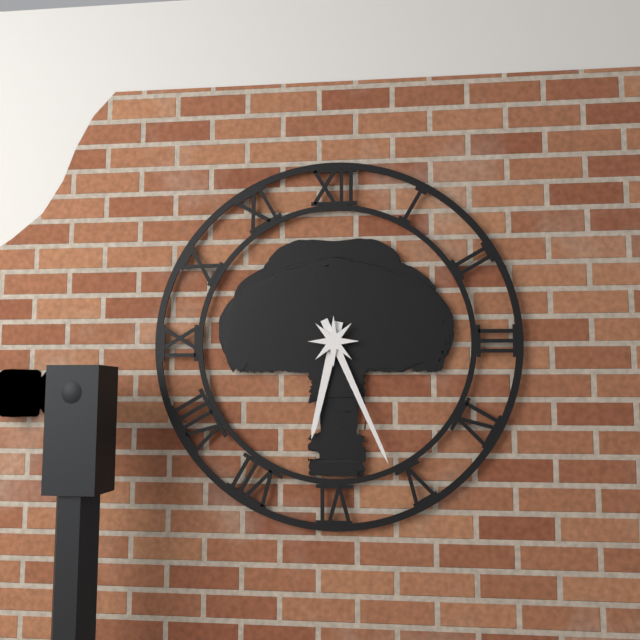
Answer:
{"hour": 6, "minute": 26}
